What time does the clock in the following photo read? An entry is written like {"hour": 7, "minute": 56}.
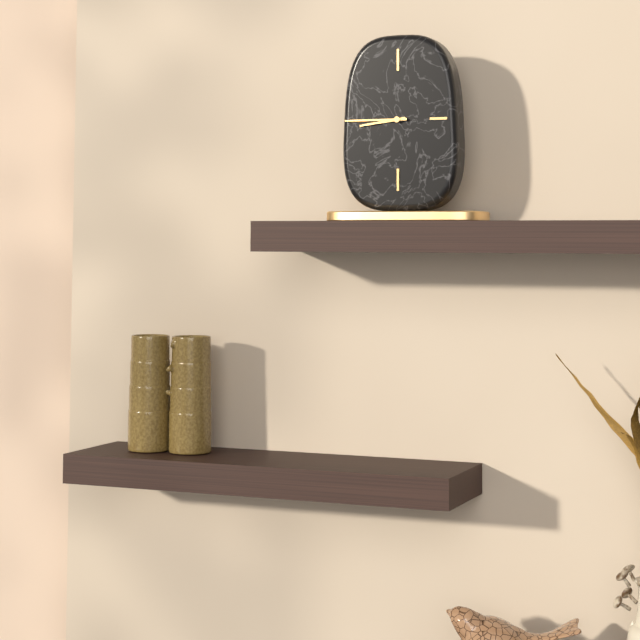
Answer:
{"hour": 8, "minute": 45}
